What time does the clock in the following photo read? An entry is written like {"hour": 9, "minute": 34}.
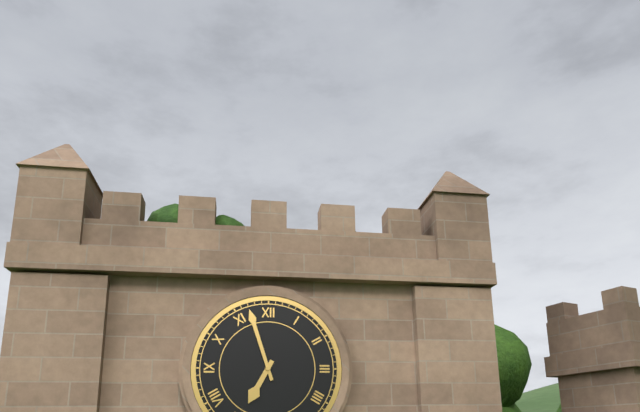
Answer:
{"hour": 6, "minute": 57}
